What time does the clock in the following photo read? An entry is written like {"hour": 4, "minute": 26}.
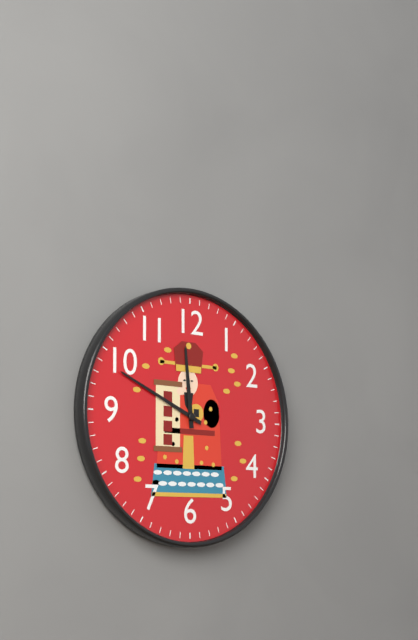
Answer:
{"hour": 11, "minute": 49}
